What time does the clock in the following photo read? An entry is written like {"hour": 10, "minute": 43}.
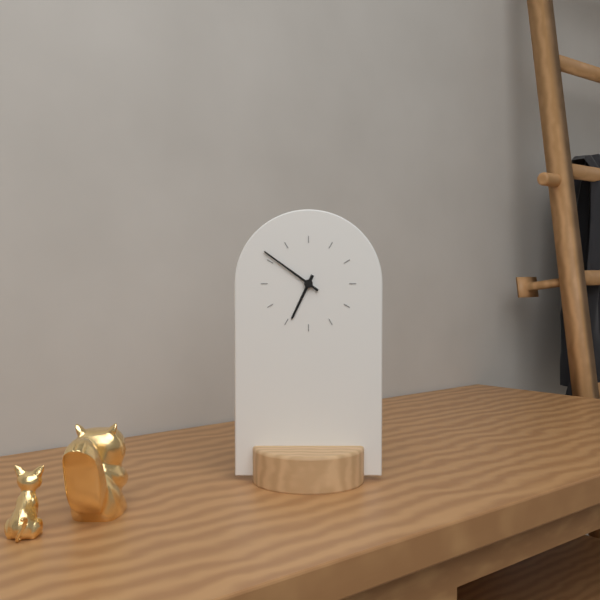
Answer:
{"hour": 6, "minute": 51}
